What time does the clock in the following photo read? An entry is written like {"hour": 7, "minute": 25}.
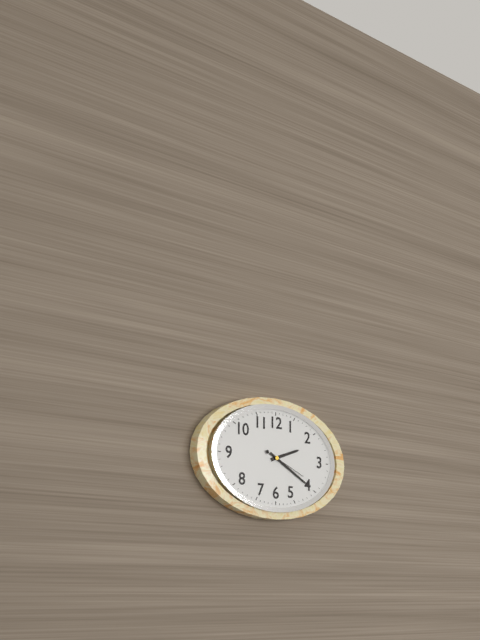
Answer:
{"hour": 2, "minute": 20}
